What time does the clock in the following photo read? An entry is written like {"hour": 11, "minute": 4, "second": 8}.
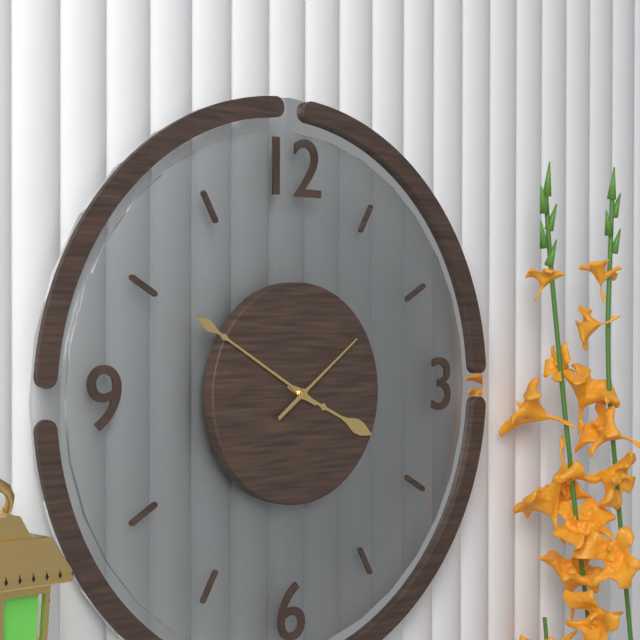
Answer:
{"hour": 3, "minute": 50, "second": 9}
